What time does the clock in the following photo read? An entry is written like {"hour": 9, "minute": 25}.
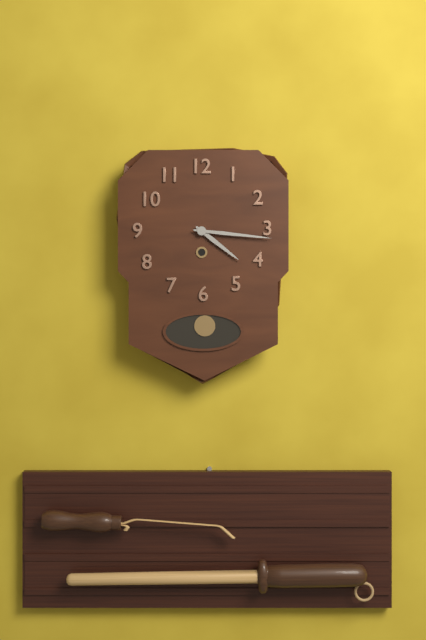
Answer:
{"hour": 4, "minute": 16}
